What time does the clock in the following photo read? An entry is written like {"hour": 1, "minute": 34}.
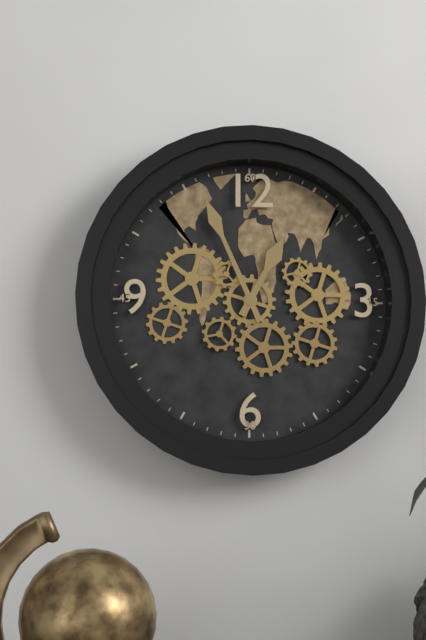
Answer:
{"hour": 12, "minute": 56}
